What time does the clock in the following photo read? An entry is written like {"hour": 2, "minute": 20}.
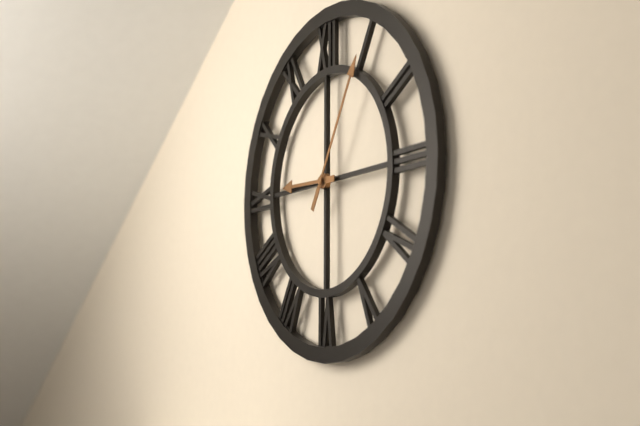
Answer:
{"hour": 9, "minute": 5}
